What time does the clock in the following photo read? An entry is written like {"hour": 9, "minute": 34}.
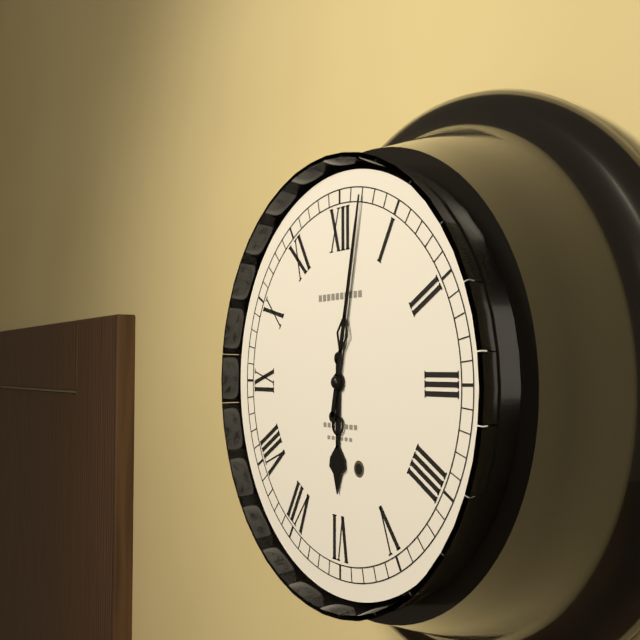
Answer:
{"hour": 6, "minute": 2}
